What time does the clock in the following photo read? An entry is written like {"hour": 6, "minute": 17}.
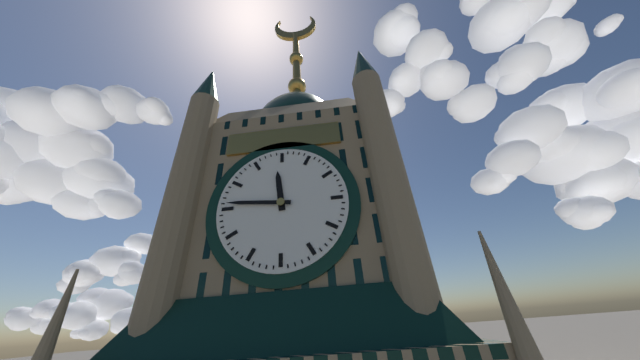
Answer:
{"hour": 11, "minute": 46}
